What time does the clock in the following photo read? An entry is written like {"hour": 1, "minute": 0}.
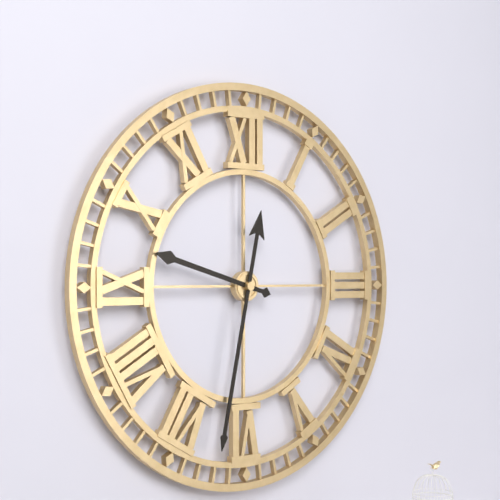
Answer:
{"hour": 9, "minute": 32}
